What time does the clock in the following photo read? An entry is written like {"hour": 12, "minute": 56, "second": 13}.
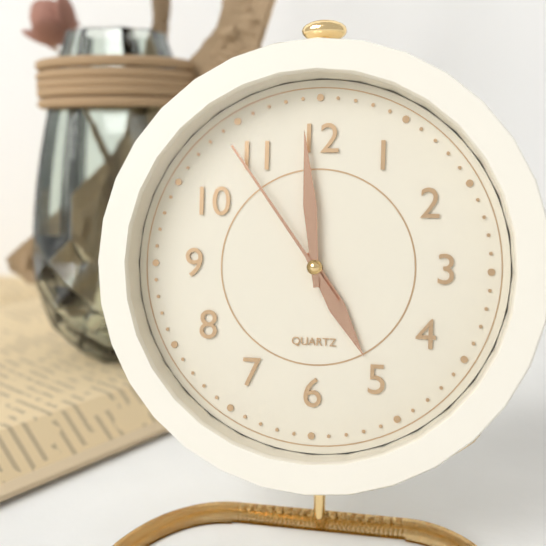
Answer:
{"hour": 4, "minute": 59, "second": 54}
